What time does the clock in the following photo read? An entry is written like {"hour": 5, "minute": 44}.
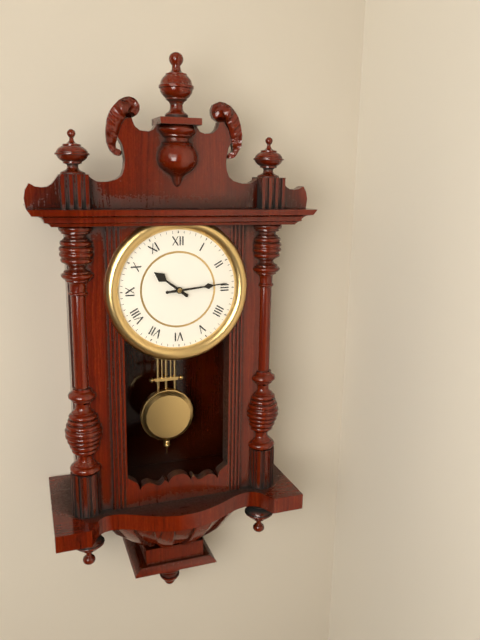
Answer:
{"hour": 10, "minute": 14}
